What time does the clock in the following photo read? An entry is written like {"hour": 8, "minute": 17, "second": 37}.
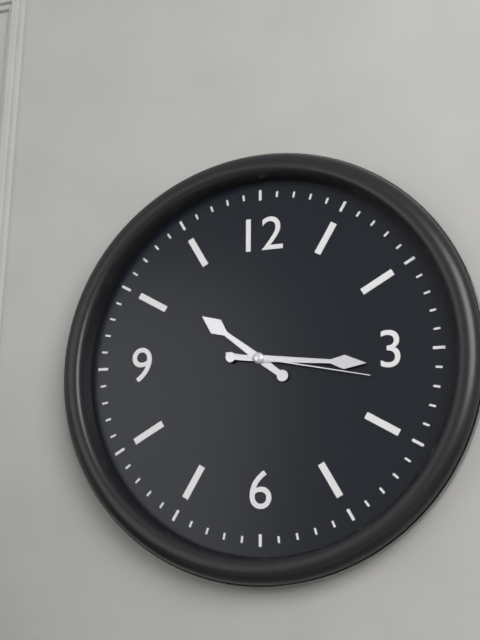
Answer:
{"hour": 10, "minute": 16, "second": 17}
